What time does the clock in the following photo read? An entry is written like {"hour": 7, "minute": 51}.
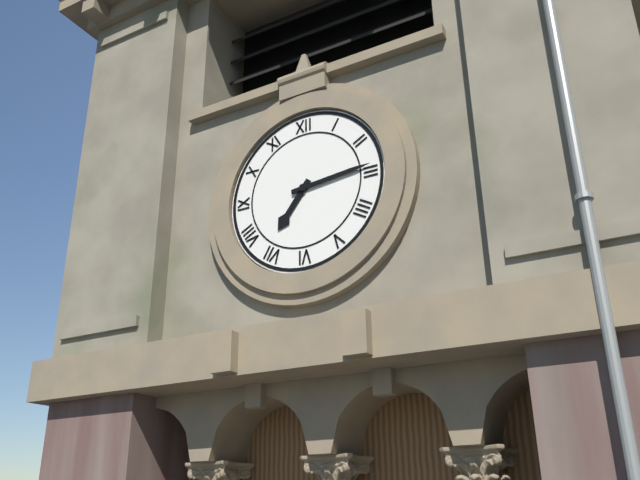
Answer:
{"hour": 7, "minute": 14}
